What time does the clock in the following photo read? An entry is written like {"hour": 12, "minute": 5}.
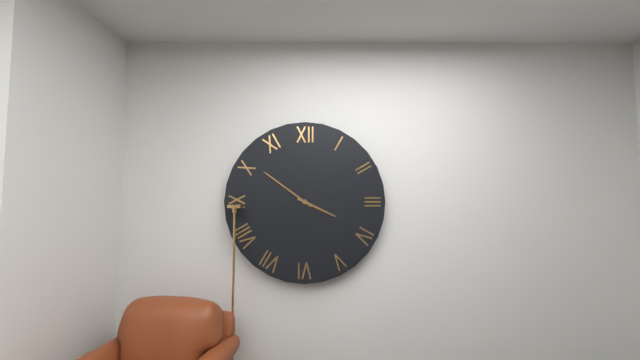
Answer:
{"hour": 3, "minute": 51}
